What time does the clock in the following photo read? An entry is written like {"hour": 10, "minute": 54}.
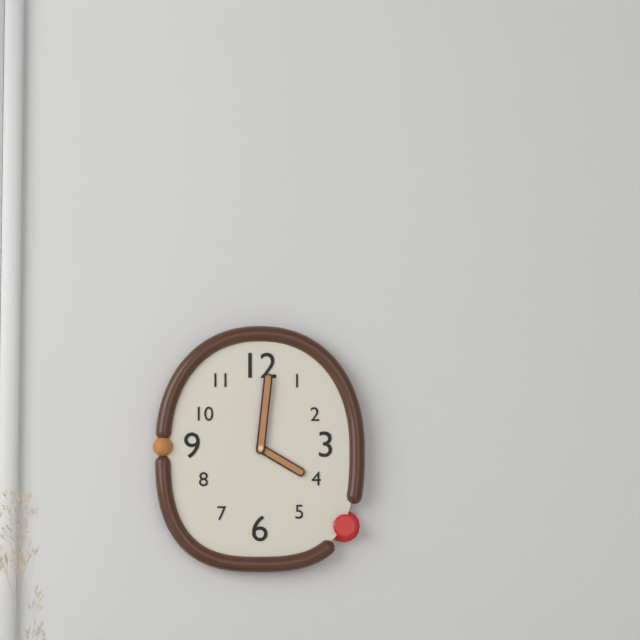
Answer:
{"hour": 4, "minute": 1}
